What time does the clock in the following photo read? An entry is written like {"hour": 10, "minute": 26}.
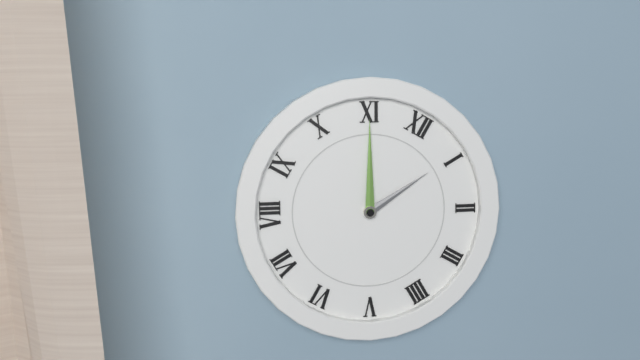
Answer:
{"hour": 12, "minute": 55}
